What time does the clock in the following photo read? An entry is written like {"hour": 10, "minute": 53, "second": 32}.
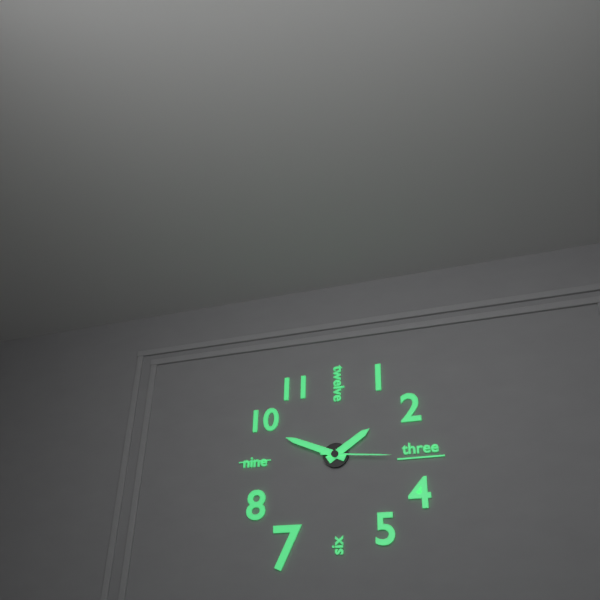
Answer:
{"hour": 1, "minute": 49, "second": 16}
